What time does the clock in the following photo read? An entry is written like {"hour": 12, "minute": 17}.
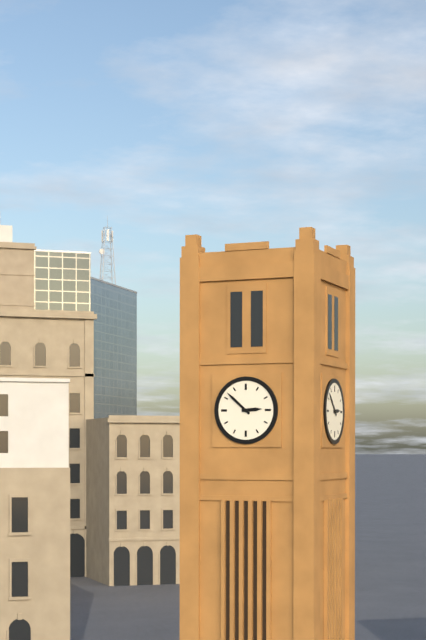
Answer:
{"hour": 2, "minute": 52}
